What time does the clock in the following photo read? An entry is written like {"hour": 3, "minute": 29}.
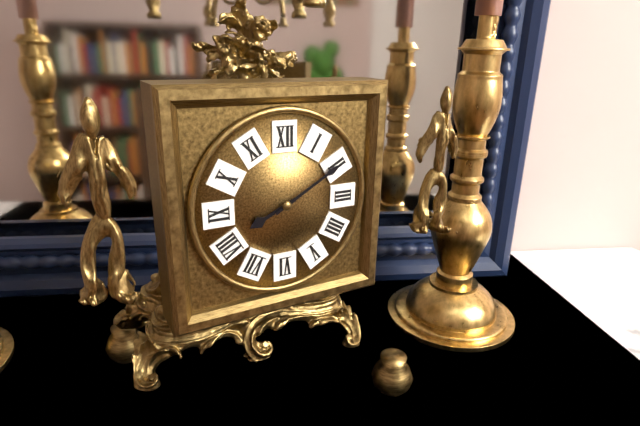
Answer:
{"hour": 8, "minute": 10}
